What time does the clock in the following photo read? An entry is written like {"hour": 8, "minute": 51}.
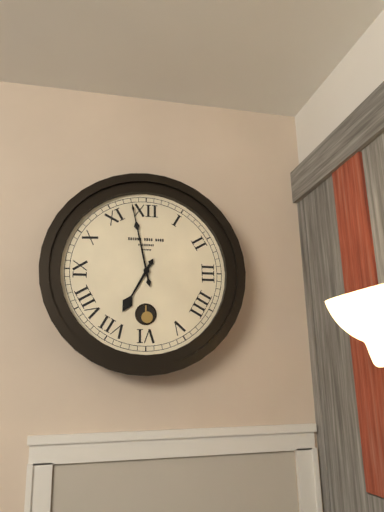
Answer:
{"hour": 6, "minute": 58}
